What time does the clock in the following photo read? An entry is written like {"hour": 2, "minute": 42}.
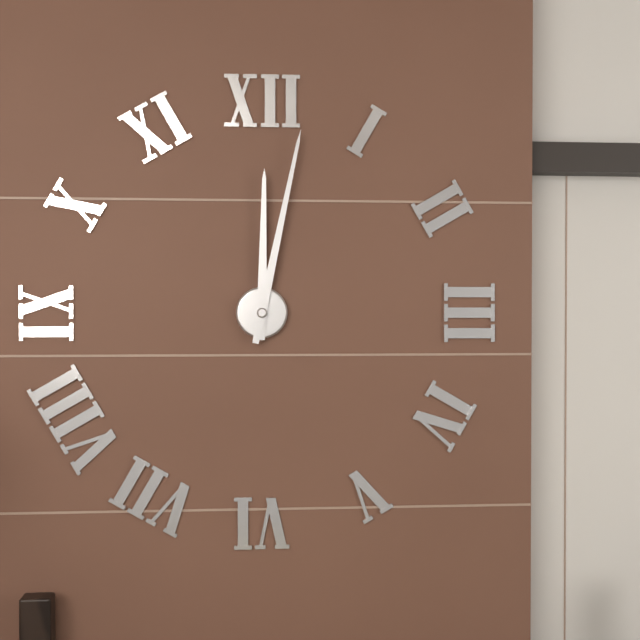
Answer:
{"hour": 12, "minute": 2}
